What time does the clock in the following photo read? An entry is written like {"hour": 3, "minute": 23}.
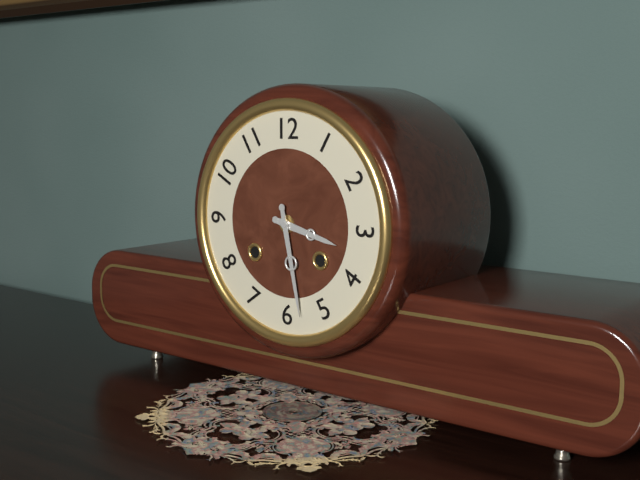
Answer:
{"hour": 3, "minute": 28}
